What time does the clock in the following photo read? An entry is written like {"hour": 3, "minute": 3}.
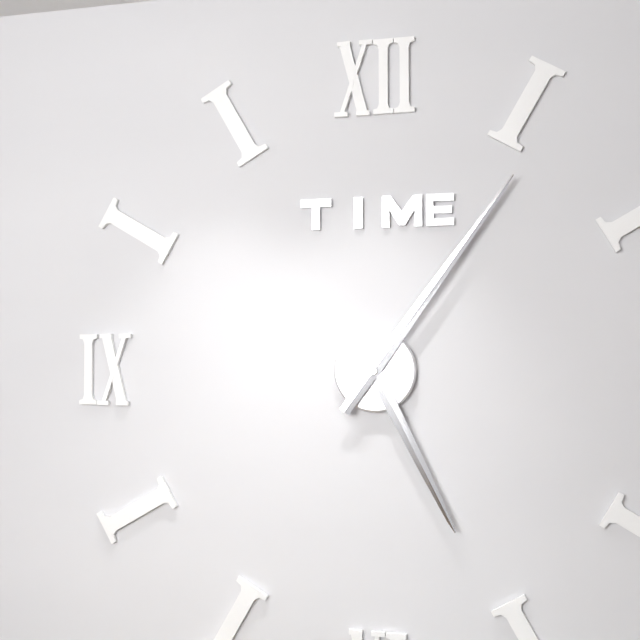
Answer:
{"hour": 5, "minute": 6}
